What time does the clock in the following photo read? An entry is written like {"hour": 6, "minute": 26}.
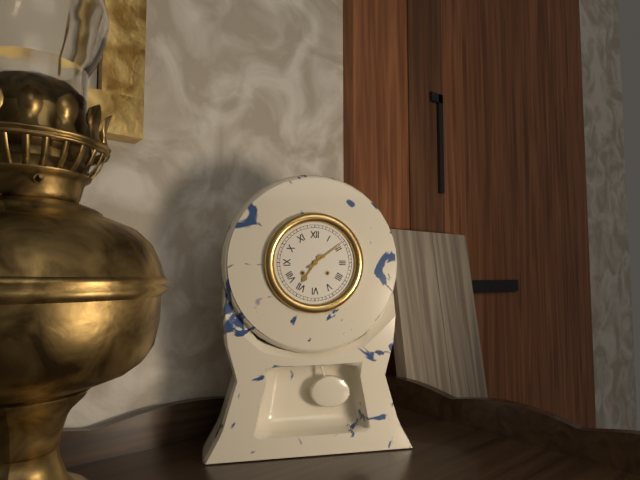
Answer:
{"hour": 7, "minute": 9}
